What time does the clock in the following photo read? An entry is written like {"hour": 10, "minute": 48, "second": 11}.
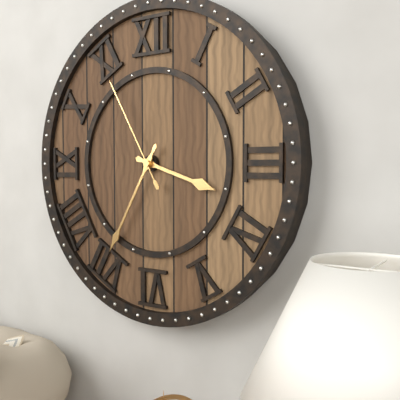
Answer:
{"hour": 3, "minute": 35, "second": 55}
